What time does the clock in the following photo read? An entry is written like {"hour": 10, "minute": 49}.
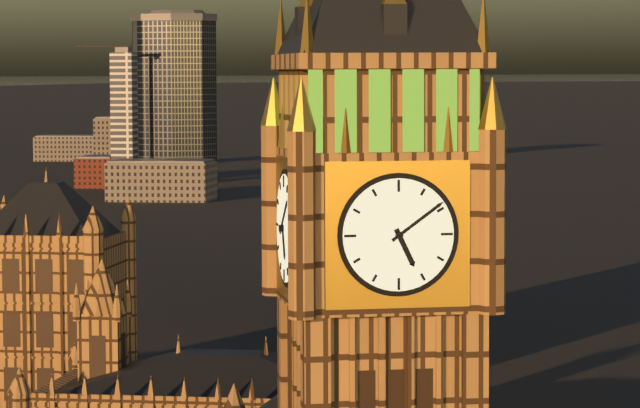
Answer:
{"hour": 5, "minute": 9}
